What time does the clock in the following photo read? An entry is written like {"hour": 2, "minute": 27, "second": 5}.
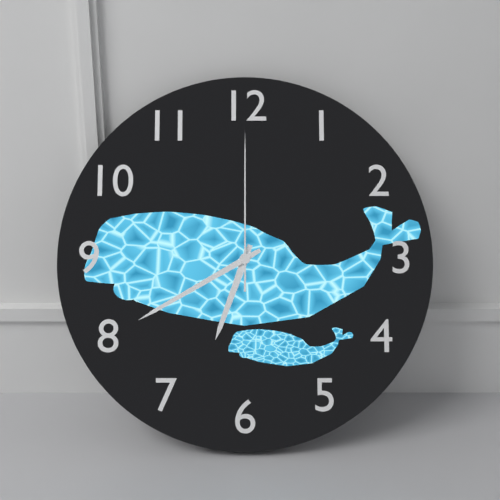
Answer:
{"hour": 6, "minute": 40, "second": 0}
